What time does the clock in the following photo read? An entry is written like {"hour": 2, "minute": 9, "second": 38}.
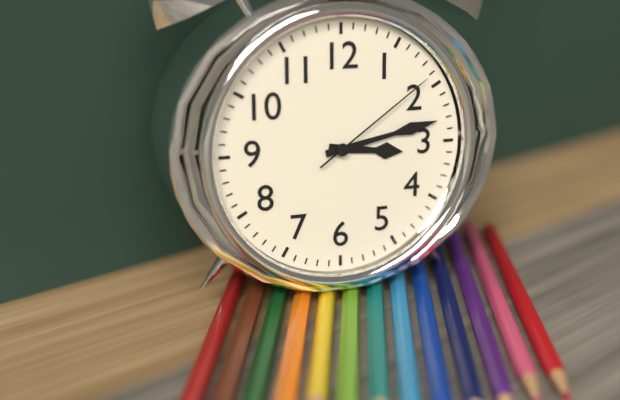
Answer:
{"hour": 3, "minute": 13, "second": 9}
